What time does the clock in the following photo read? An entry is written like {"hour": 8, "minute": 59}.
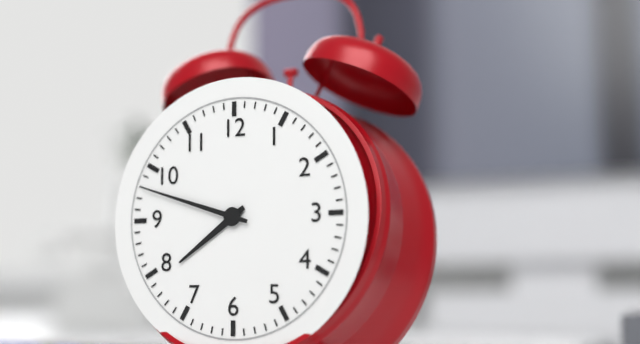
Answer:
{"hour": 7, "minute": 48}
